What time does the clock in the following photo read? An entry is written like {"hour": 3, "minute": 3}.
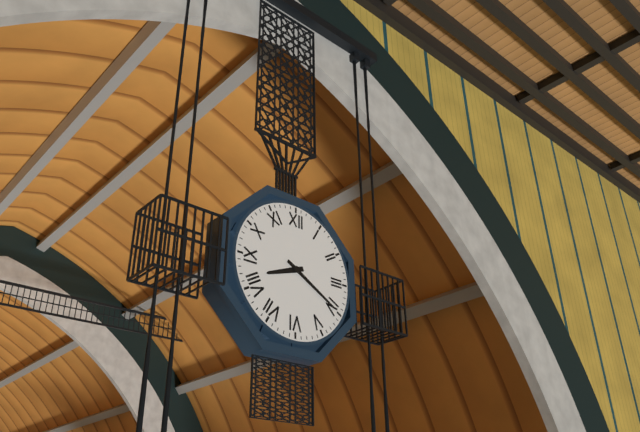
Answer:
{"hour": 8, "minute": 20}
